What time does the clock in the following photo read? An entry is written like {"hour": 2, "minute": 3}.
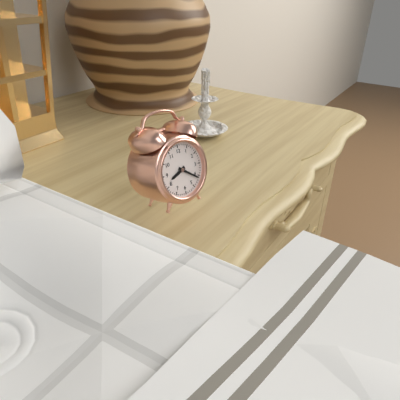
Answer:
{"hour": 8, "minute": 21}
